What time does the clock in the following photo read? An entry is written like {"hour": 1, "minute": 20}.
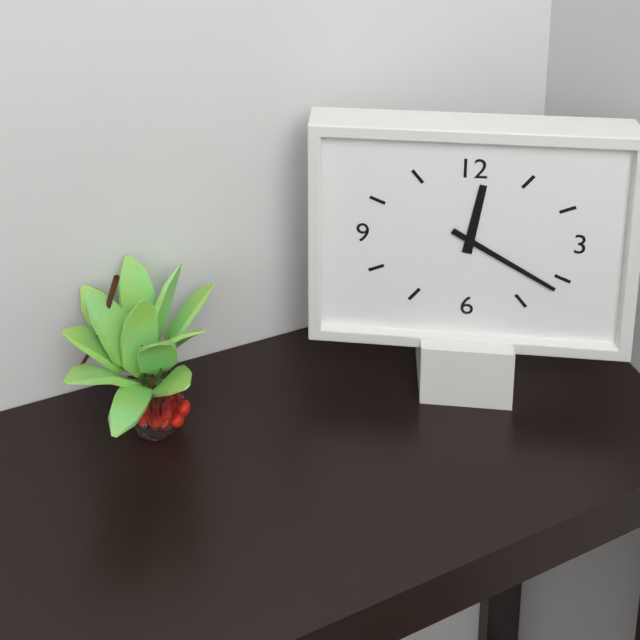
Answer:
{"hour": 12, "minute": 20}
